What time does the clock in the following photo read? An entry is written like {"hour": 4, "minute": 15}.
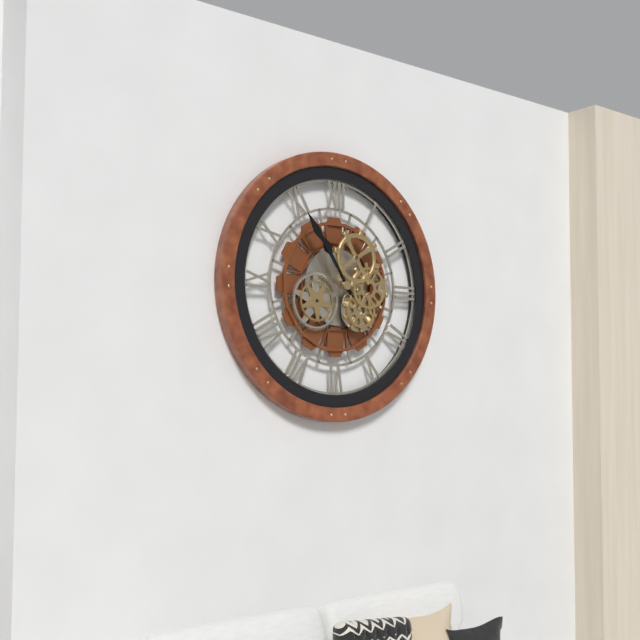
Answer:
{"hour": 10, "minute": 54}
